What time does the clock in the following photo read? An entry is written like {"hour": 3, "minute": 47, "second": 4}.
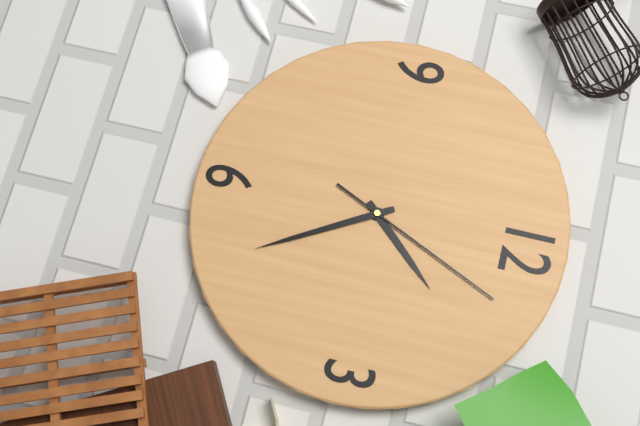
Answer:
{"hour": 1, "minute": 25, "second": 4}
